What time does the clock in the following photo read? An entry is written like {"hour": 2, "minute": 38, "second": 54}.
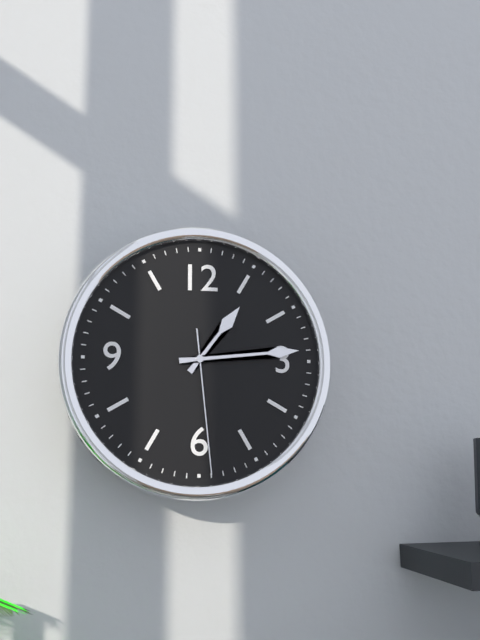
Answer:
{"hour": 1, "minute": 14, "second": 29}
